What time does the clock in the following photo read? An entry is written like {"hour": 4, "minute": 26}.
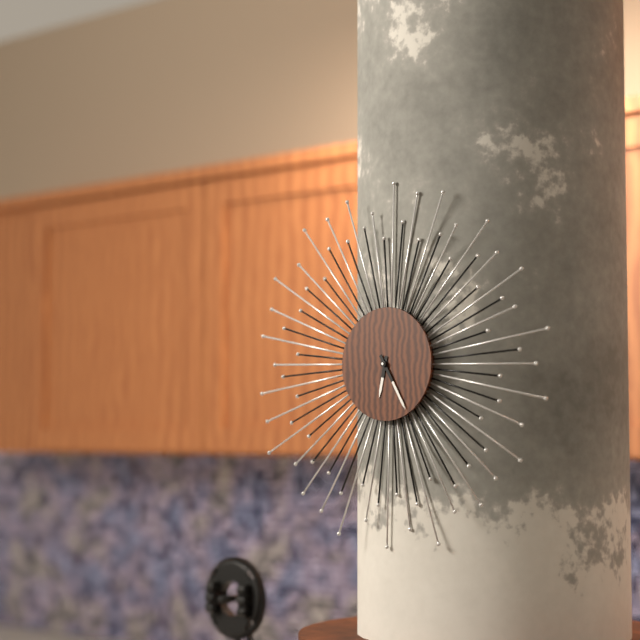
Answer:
{"hour": 6, "minute": 25}
